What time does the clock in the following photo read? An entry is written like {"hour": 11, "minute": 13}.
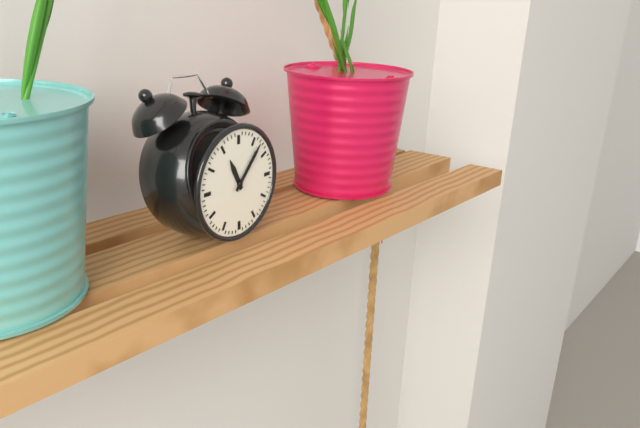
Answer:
{"hour": 11, "minute": 7}
